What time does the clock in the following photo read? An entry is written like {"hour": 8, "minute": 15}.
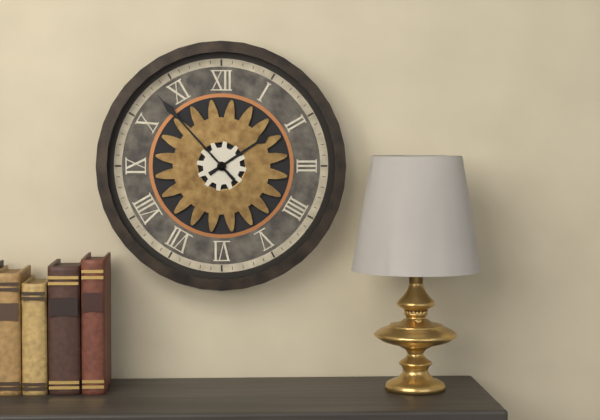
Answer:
{"hour": 1, "minute": 53}
